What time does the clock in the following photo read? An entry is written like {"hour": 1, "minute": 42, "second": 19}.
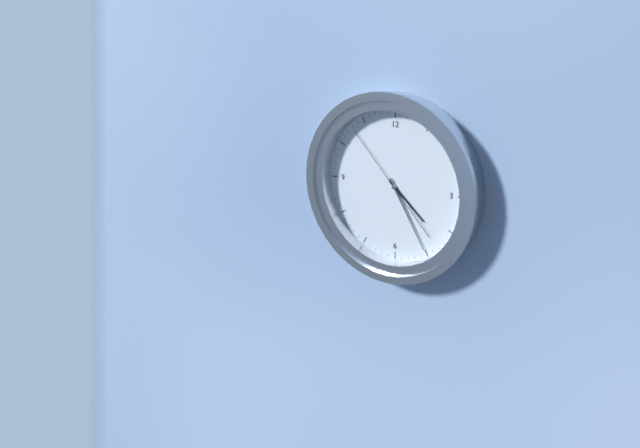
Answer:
{"hour": 4, "minute": 25, "second": 53}
